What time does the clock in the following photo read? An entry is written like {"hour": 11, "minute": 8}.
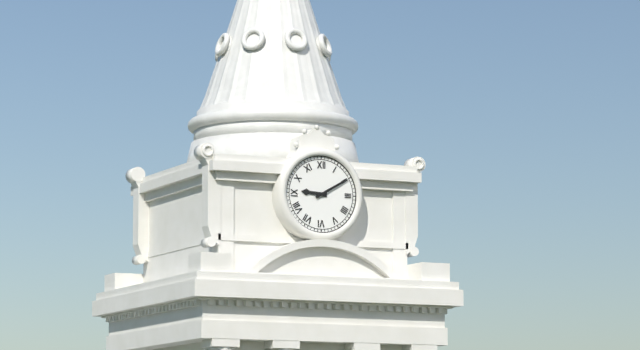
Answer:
{"hour": 9, "minute": 10}
